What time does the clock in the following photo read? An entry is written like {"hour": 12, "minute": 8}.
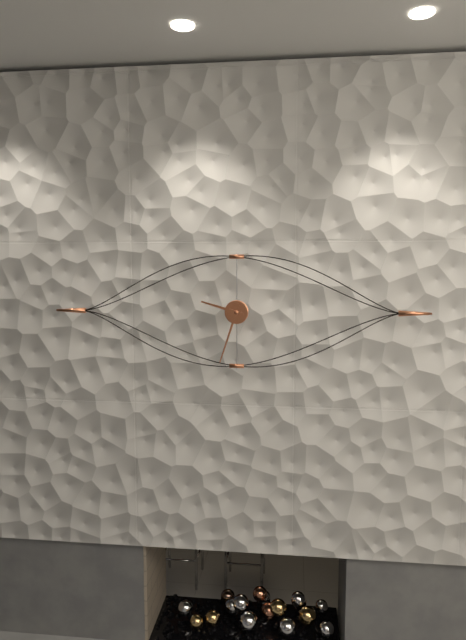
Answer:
{"hour": 9, "minute": 33}
